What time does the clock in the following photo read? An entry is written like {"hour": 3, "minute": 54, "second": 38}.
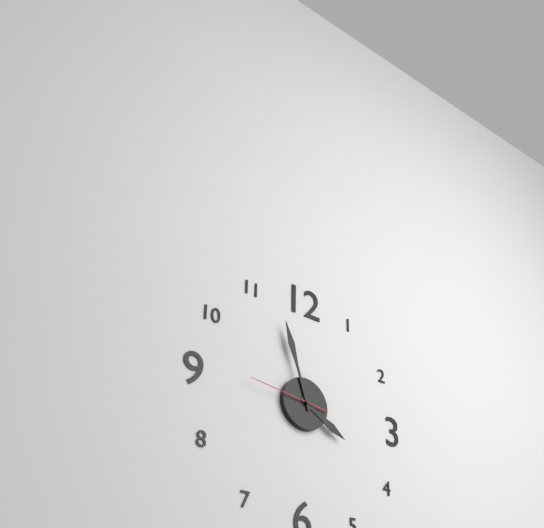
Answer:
{"hour": 3, "minute": 57, "second": 46}
